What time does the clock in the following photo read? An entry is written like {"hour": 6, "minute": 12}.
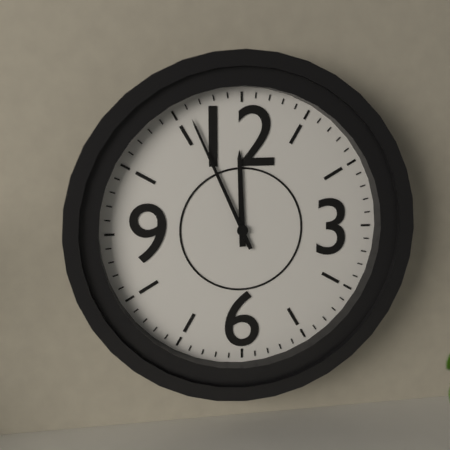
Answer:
{"hour": 11, "minute": 56}
